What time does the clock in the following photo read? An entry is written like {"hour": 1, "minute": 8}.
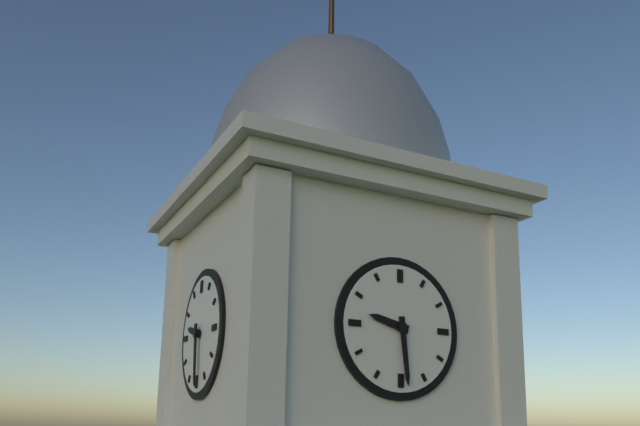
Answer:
{"hour": 9, "minute": 29}
